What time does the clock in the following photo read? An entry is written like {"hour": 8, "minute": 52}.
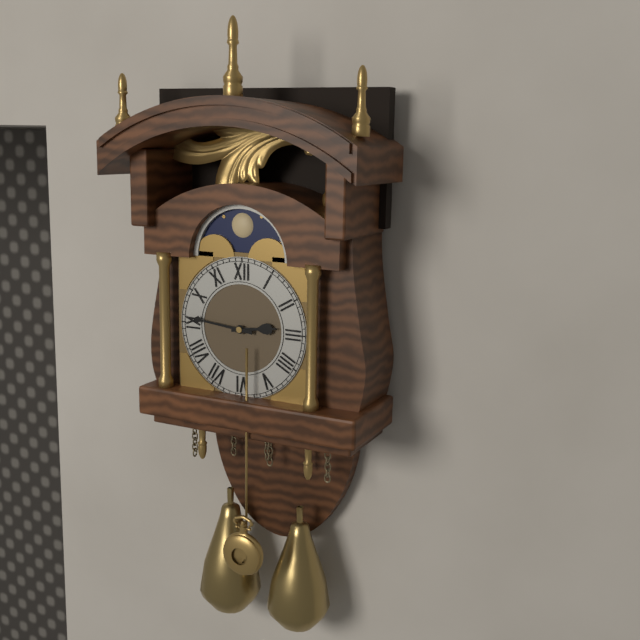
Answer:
{"hour": 2, "minute": 46}
